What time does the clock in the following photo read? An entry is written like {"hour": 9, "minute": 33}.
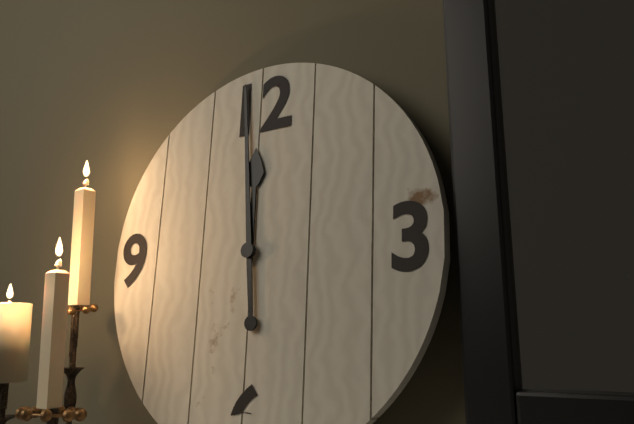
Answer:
{"hour": 11, "minute": 59}
